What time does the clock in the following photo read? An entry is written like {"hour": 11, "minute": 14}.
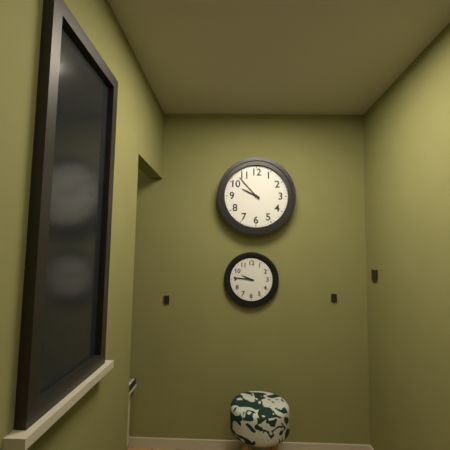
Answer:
{"hour": 9, "minute": 53}
